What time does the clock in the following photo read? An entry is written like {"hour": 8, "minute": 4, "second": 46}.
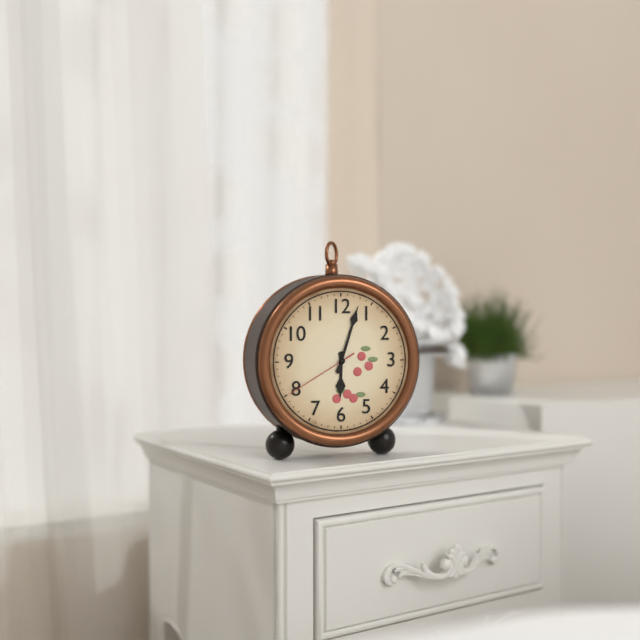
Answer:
{"hour": 6, "minute": 3, "second": 40}
